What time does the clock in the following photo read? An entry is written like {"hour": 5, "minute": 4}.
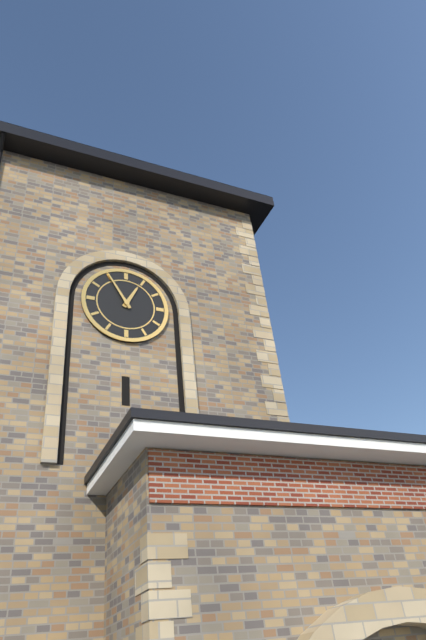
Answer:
{"hour": 12, "minute": 55}
